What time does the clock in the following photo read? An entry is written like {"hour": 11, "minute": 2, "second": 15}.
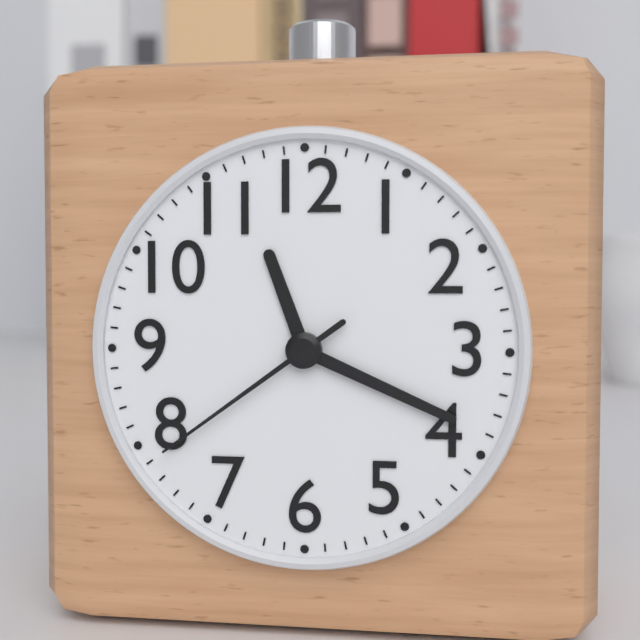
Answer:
{"hour": 11, "minute": 19, "second": 39}
